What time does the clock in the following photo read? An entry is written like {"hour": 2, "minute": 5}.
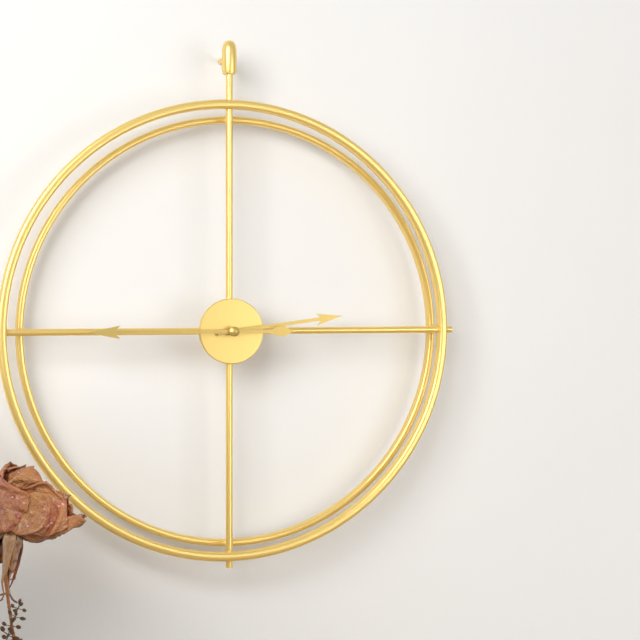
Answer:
{"hour": 2, "minute": 45}
